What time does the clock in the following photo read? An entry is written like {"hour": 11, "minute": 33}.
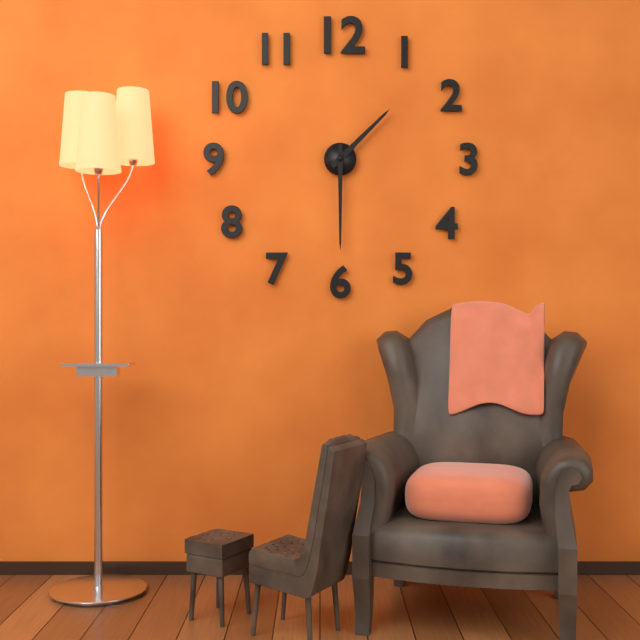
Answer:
{"hour": 1, "minute": 30}
